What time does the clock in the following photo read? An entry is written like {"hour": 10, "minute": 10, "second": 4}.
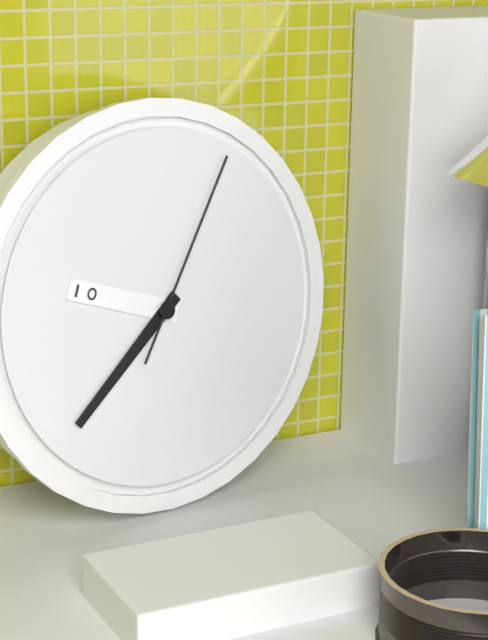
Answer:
{"hour": 9, "minute": 38, "second": 5}
